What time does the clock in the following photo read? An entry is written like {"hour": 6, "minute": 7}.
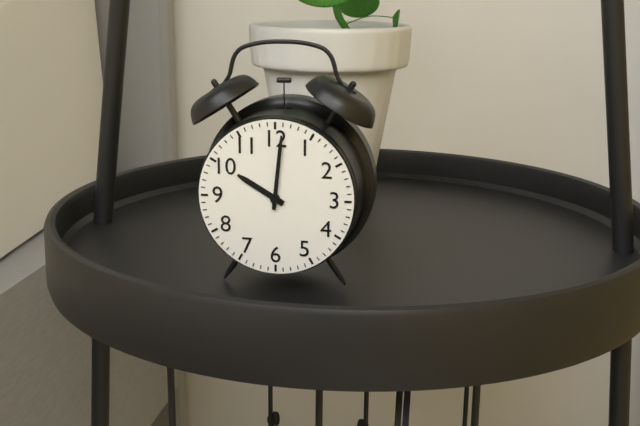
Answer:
{"hour": 10, "minute": 1}
